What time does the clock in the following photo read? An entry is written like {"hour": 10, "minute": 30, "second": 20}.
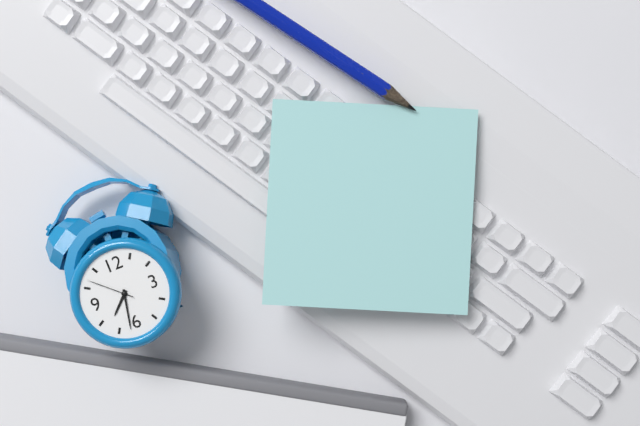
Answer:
{"hour": 7, "minute": 32, "second": 52}
